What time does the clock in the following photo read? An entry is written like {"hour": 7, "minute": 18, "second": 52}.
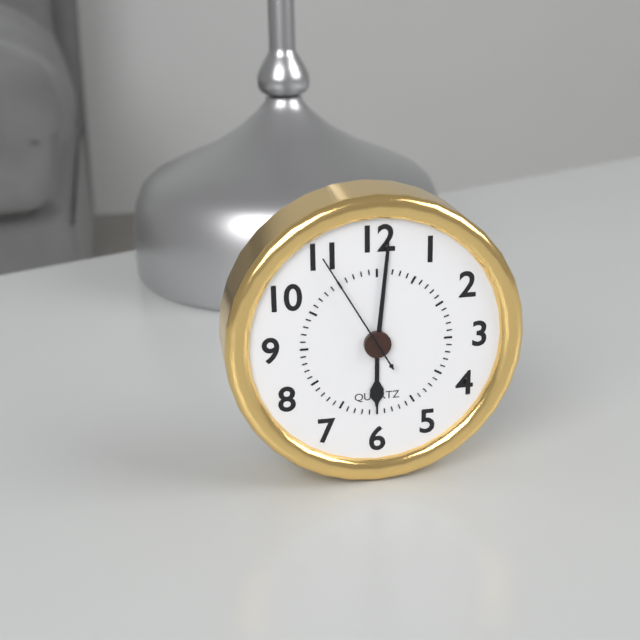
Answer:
{"hour": 6, "minute": 1, "second": 55}
